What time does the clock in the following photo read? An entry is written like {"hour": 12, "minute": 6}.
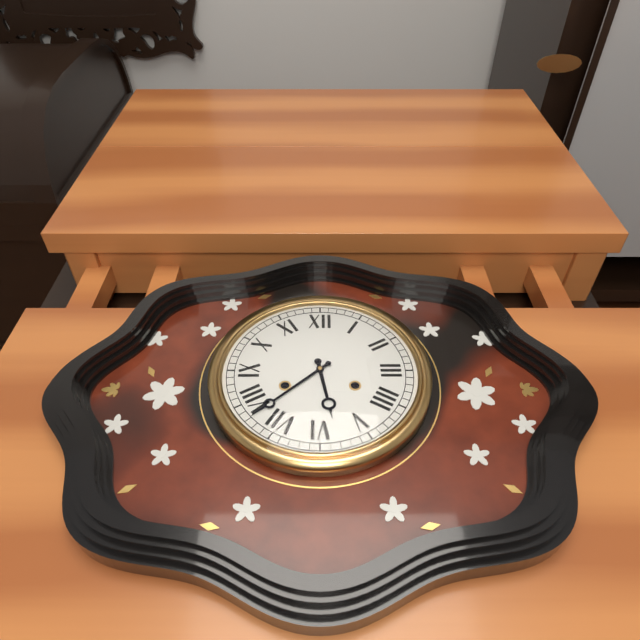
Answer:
{"hour": 5, "minute": 38}
